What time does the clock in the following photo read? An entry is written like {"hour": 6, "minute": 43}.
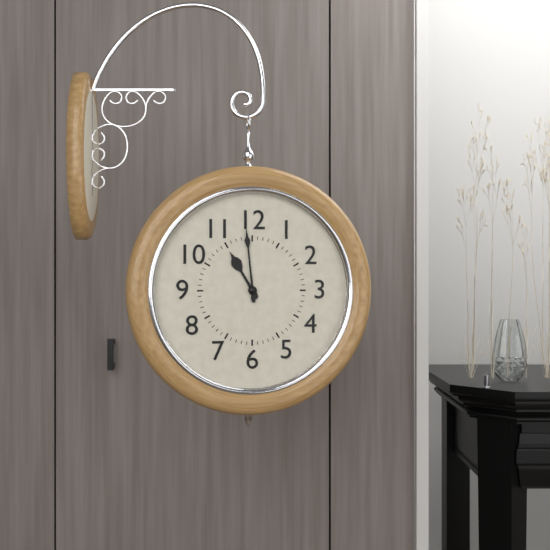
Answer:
{"hour": 10, "minute": 59}
